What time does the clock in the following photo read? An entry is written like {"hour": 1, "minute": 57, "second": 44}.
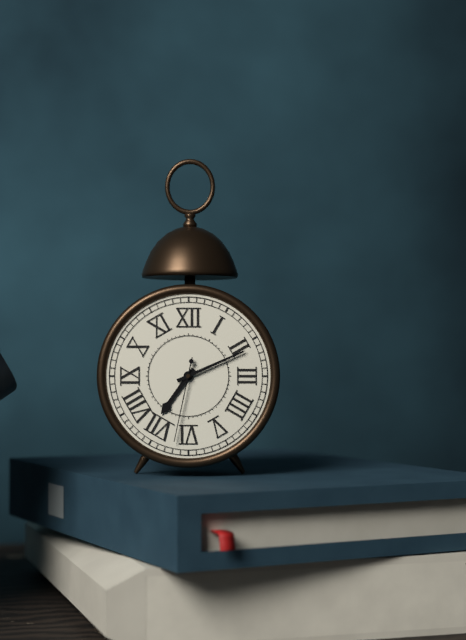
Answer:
{"hour": 7, "minute": 11, "second": 32}
